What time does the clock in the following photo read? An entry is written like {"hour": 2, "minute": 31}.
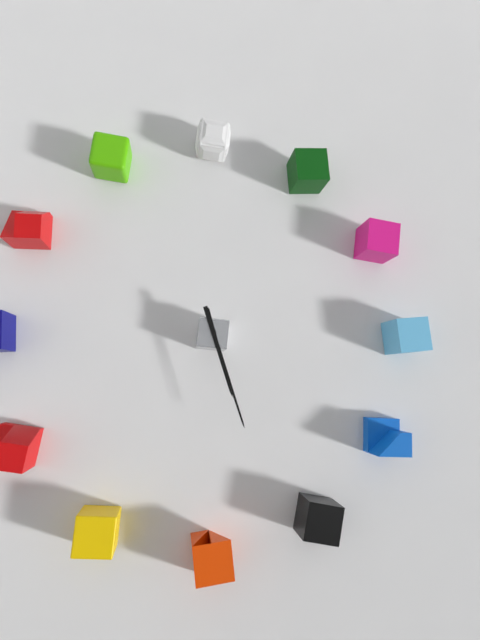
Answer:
{"hour": 5, "minute": 27}
